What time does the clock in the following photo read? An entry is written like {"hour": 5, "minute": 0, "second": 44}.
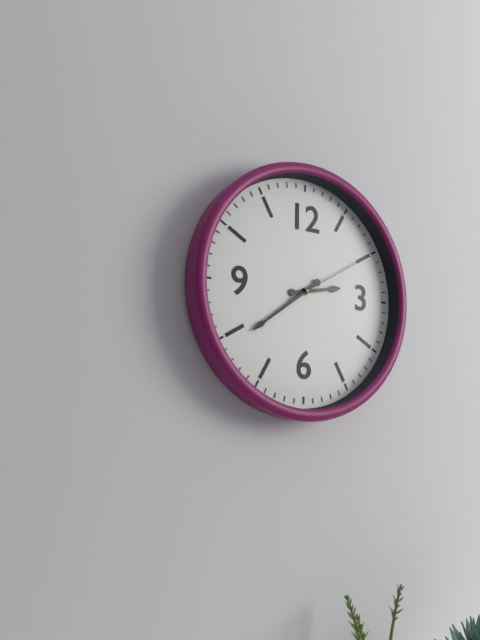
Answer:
{"hour": 2, "minute": 39, "second": 10}
